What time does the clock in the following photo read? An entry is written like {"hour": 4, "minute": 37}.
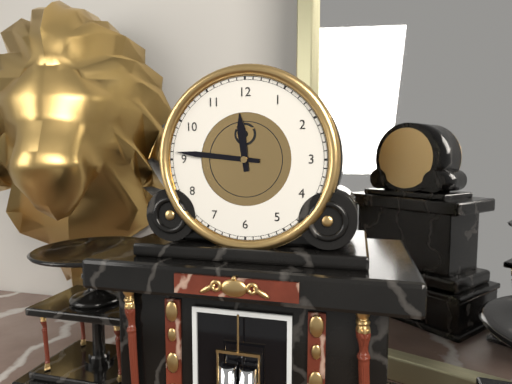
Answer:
{"hour": 11, "minute": 46}
